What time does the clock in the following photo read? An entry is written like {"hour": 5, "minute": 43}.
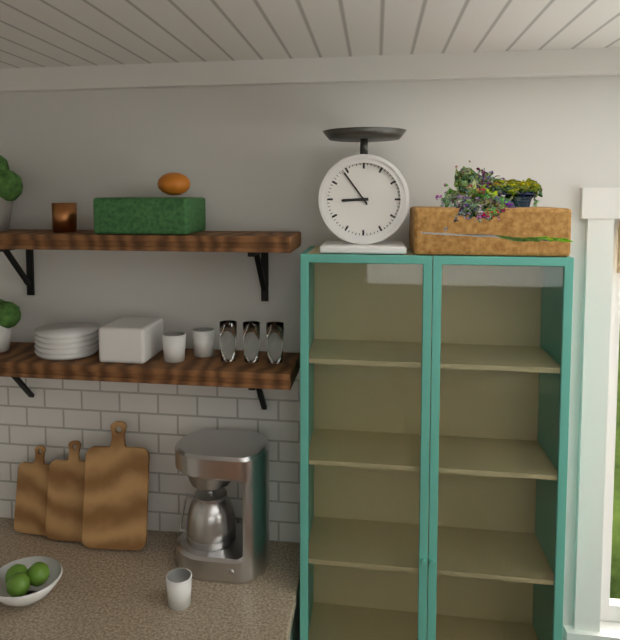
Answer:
{"hour": 8, "minute": 54}
